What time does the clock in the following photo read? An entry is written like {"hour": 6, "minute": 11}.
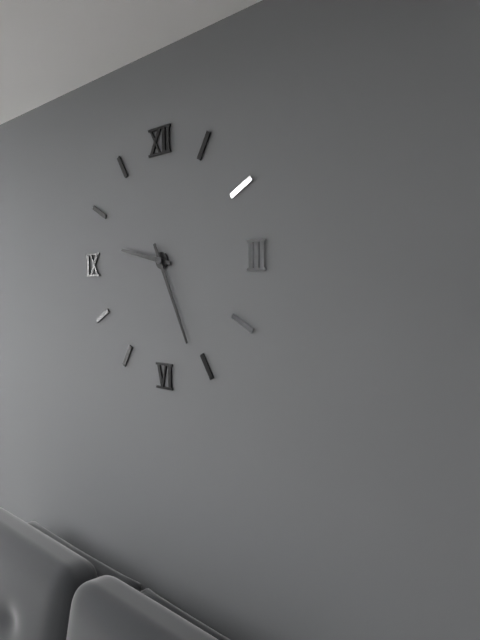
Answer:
{"hour": 9, "minute": 26}
